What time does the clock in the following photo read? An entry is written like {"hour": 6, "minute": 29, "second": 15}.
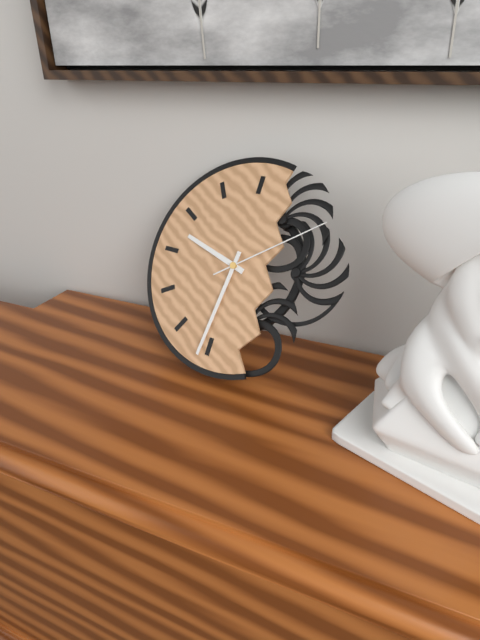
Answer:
{"hour": 9, "minute": 31, "second": 9}
